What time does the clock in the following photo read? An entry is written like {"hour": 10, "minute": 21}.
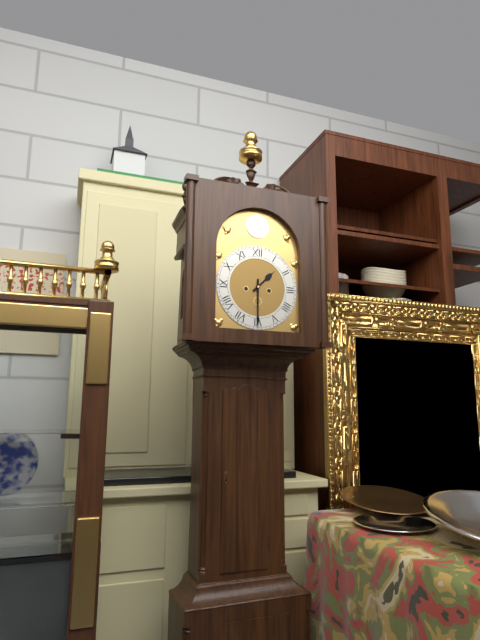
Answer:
{"hour": 1, "minute": 30}
